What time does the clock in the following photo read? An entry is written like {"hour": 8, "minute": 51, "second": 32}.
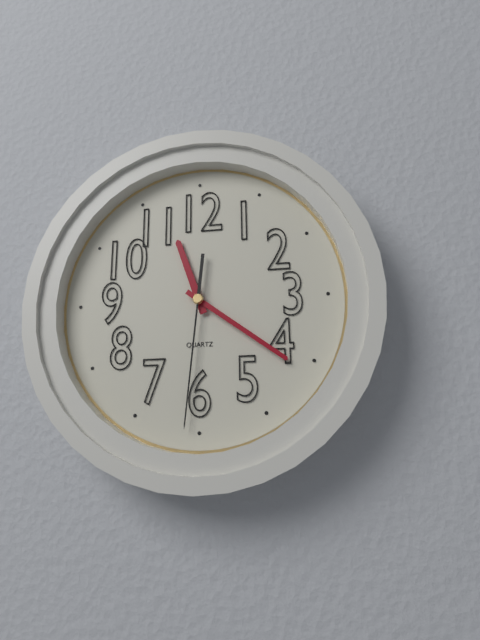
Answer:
{"hour": 11, "minute": 21, "second": 31}
